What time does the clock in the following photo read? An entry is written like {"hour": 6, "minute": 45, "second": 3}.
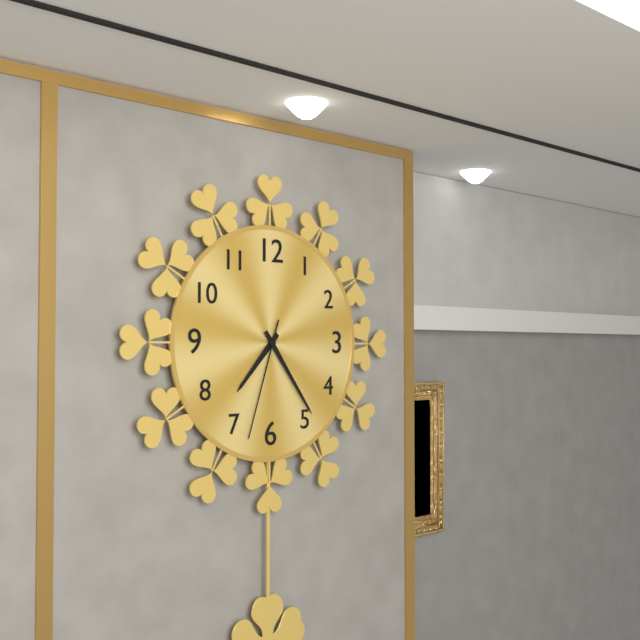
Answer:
{"hour": 7, "minute": 24, "second": 33}
